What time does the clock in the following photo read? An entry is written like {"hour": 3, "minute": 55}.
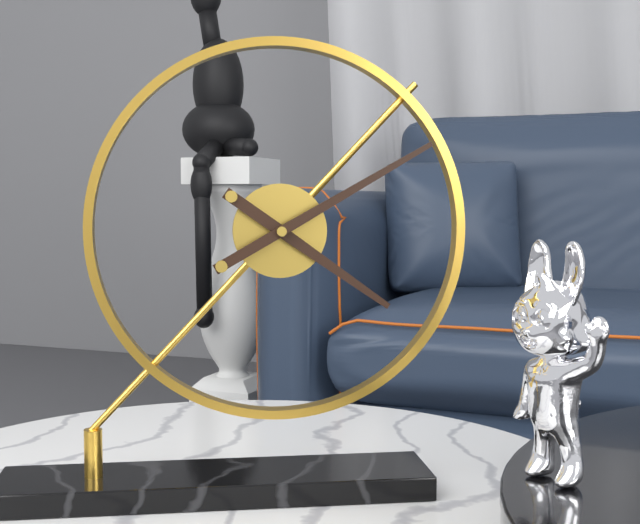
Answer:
{"hour": 4, "minute": 10}
